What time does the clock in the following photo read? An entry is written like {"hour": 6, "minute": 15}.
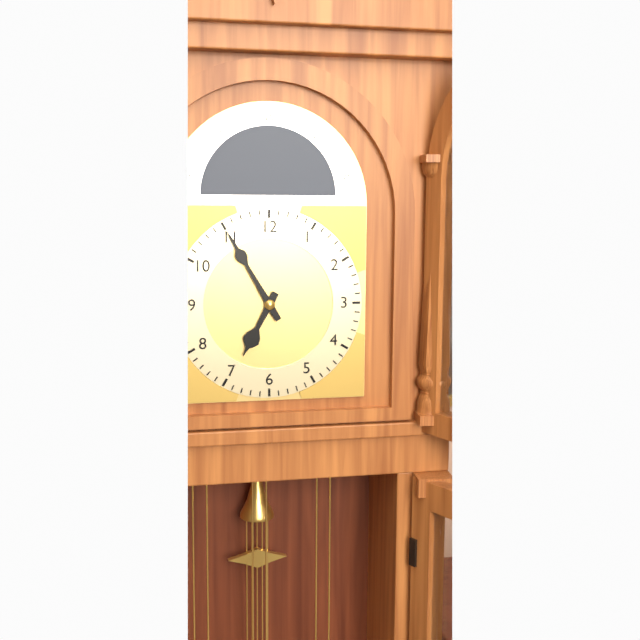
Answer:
{"hour": 6, "minute": 55}
